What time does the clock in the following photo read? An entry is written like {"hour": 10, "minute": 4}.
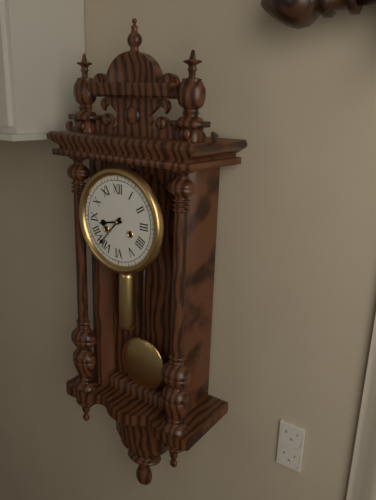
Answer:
{"hour": 8, "minute": 37}
